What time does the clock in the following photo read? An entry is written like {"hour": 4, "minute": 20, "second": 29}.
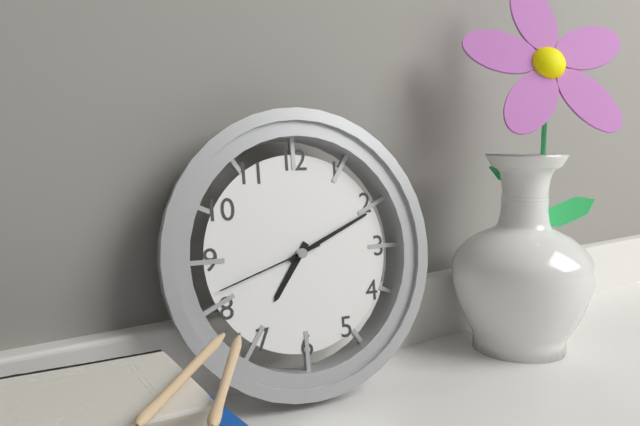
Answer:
{"hour": 7, "minute": 11, "second": 42}
